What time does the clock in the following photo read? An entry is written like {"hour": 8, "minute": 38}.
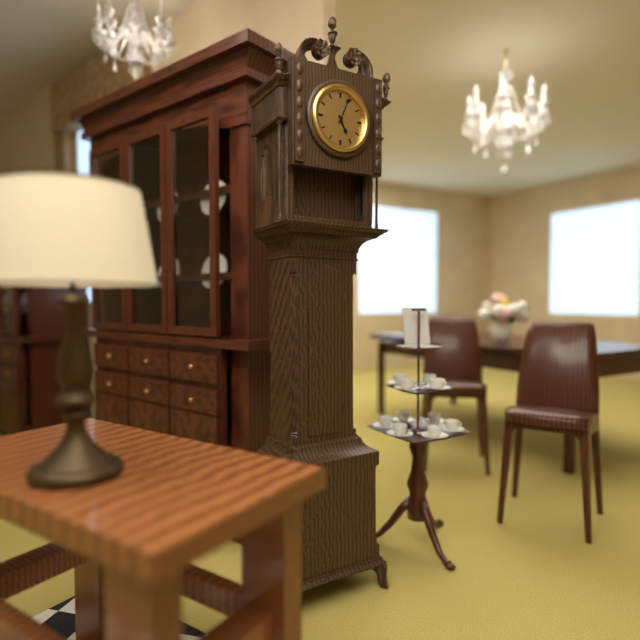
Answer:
{"hour": 5, "minute": 4}
